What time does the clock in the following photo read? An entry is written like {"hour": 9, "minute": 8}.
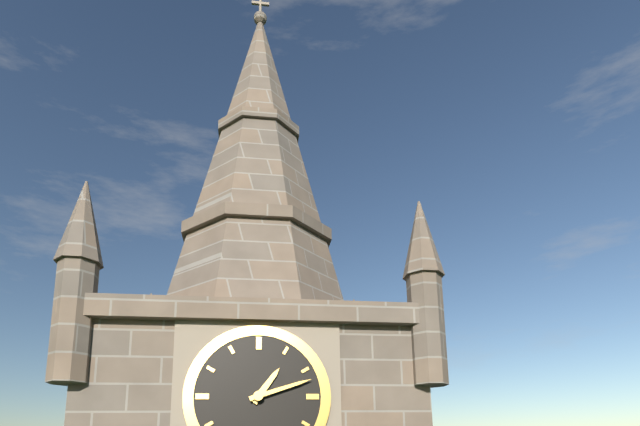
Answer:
{"hour": 1, "minute": 12}
